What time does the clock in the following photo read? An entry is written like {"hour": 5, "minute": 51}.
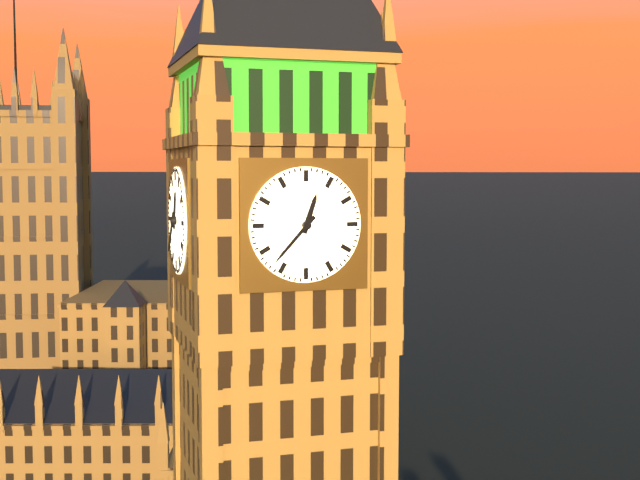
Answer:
{"hour": 12, "minute": 37}
